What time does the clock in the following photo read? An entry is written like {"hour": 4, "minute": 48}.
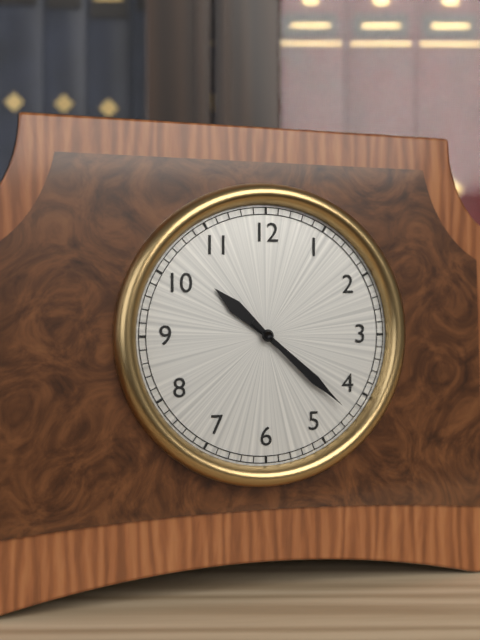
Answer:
{"hour": 10, "minute": 22}
